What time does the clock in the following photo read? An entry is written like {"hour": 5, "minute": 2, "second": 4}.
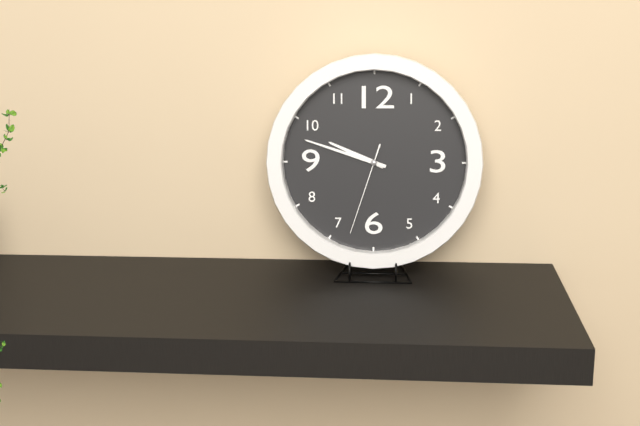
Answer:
{"hour": 9, "minute": 48, "second": 33}
